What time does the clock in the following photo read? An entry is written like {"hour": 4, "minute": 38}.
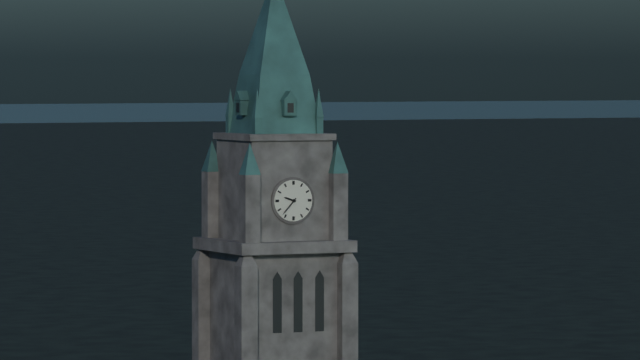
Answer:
{"hour": 9, "minute": 37}
